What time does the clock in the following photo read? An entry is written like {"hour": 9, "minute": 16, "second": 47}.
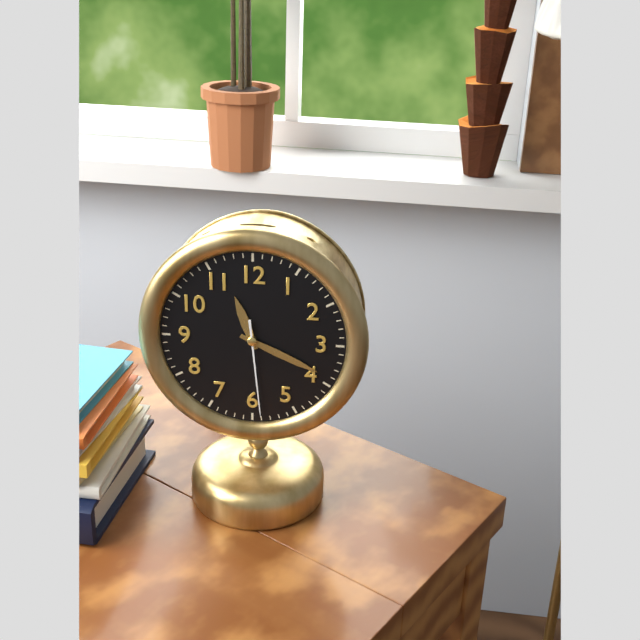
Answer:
{"hour": 11, "minute": 19, "second": 29}
